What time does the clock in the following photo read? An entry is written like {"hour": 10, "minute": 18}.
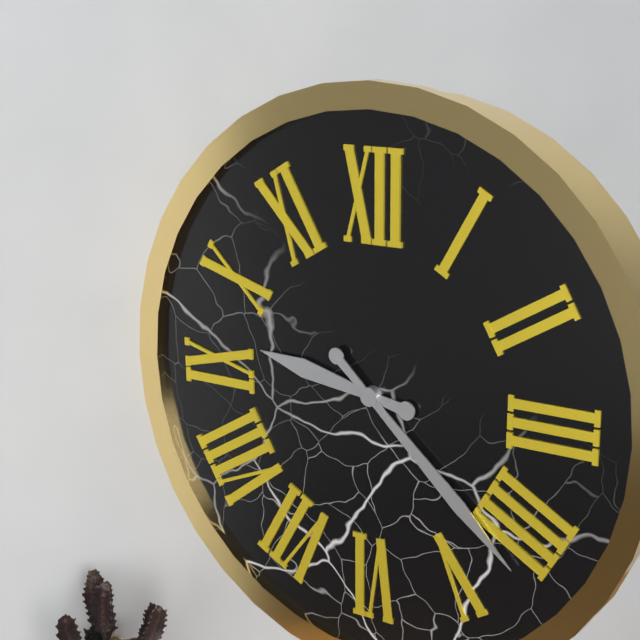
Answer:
{"hour": 9, "minute": 22}
